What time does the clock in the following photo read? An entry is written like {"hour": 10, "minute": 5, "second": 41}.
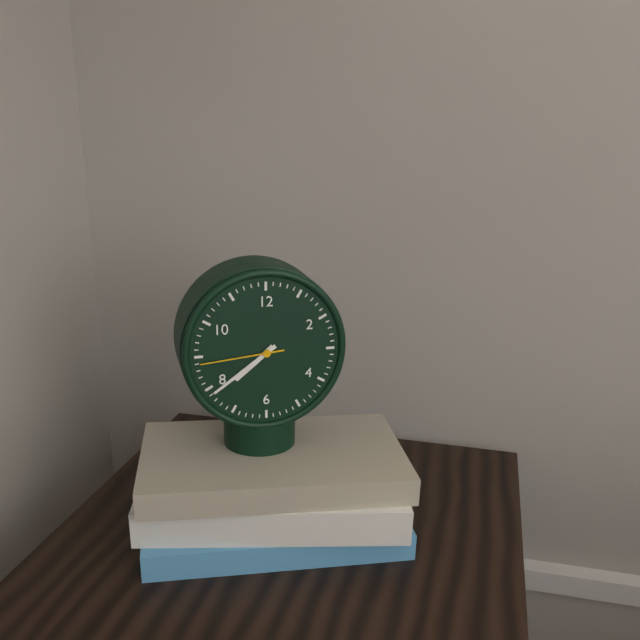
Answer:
{"hour": 7, "minute": 39, "second": 44}
